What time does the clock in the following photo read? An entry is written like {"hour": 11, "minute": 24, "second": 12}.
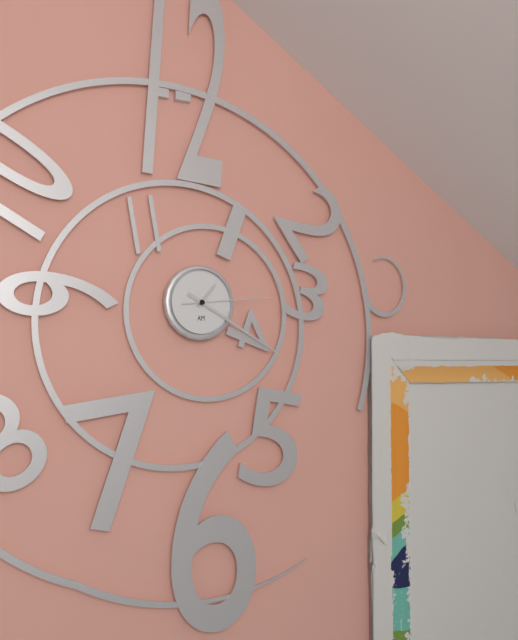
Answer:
{"hour": 1, "minute": 20, "second": 14}
